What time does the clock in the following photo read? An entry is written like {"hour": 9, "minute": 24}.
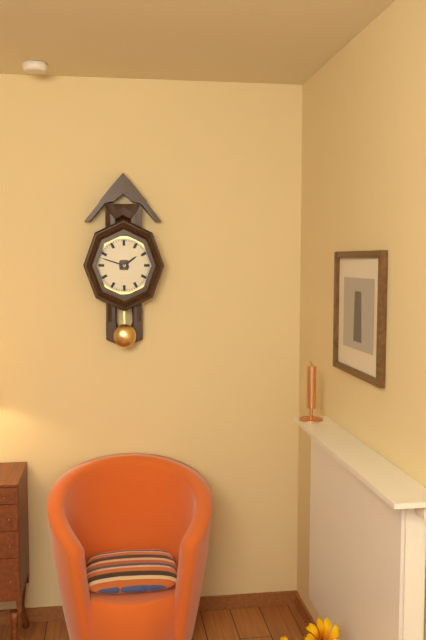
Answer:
{"hour": 1, "minute": 48}
